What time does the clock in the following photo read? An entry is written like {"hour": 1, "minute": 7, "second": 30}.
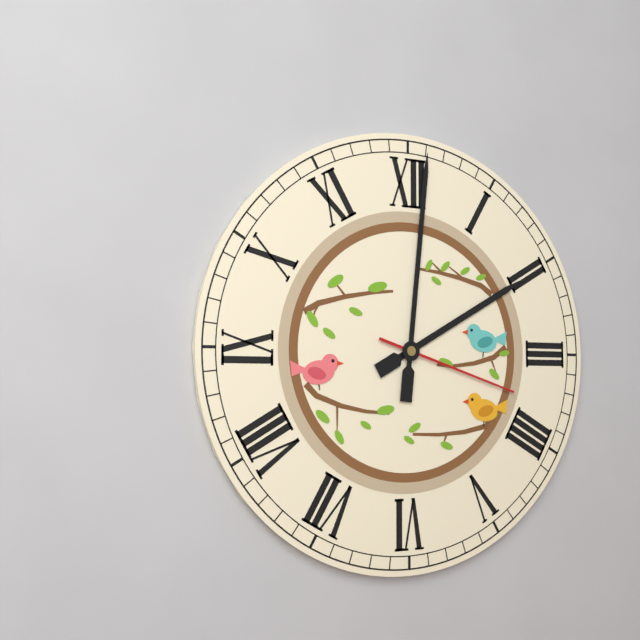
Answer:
{"hour": 2, "minute": 1, "second": 18}
